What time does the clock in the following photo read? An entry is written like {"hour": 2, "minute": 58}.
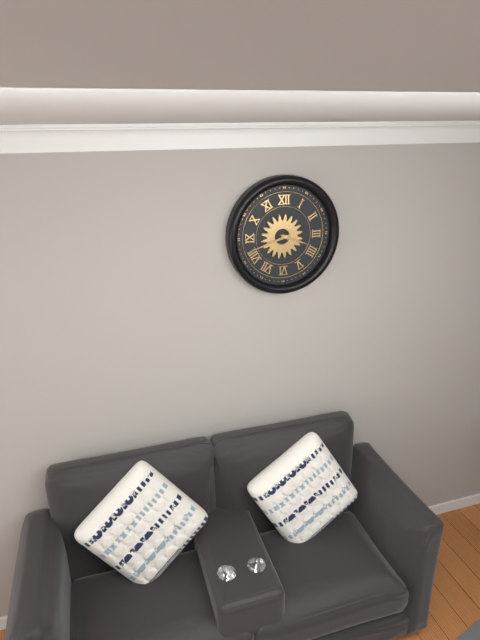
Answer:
{"hour": 3, "minute": 42}
